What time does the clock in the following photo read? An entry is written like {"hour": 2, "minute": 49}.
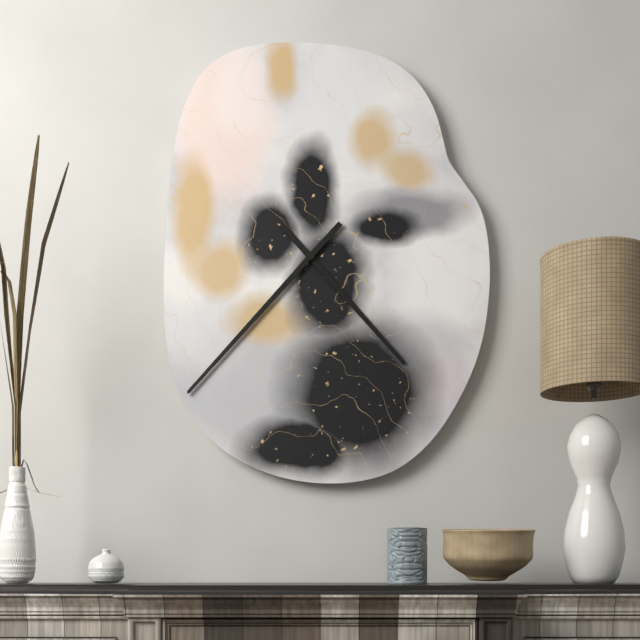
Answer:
{"hour": 4, "minute": 37}
